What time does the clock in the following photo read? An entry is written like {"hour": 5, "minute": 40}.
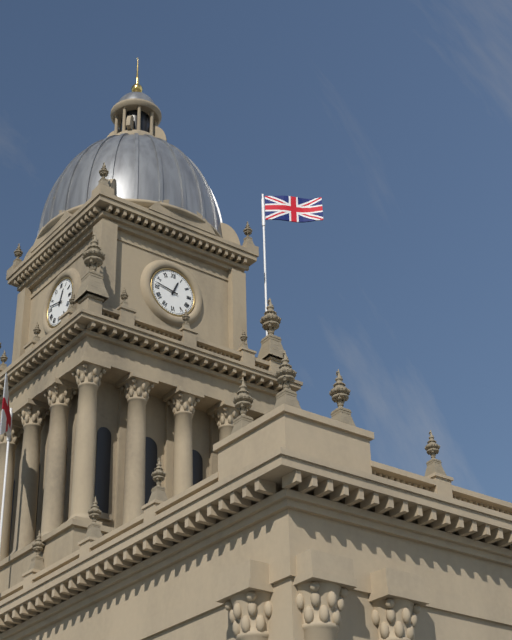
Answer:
{"hour": 12, "minute": 47}
